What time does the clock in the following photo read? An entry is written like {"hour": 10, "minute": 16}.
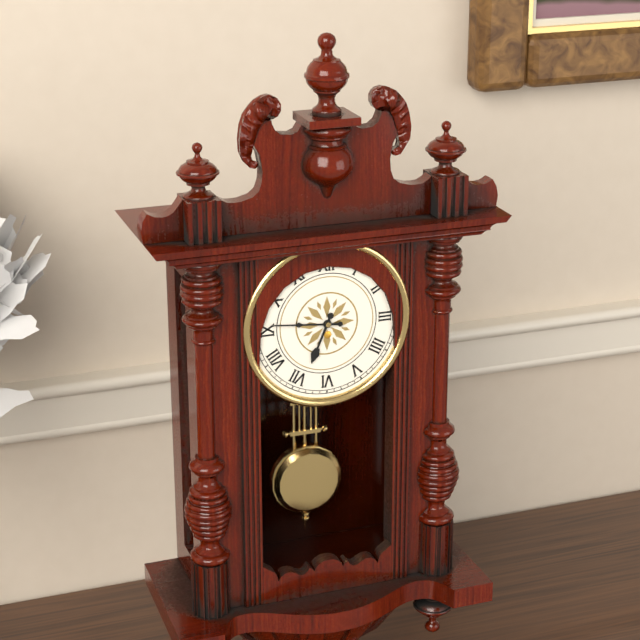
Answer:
{"hour": 6, "minute": 46}
